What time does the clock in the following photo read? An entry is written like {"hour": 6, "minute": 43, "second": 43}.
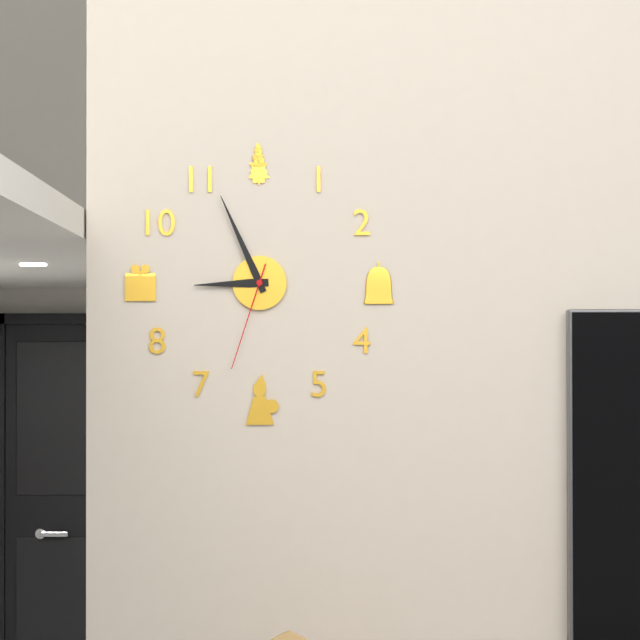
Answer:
{"hour": 8, "minute": 56, "second": 33}
